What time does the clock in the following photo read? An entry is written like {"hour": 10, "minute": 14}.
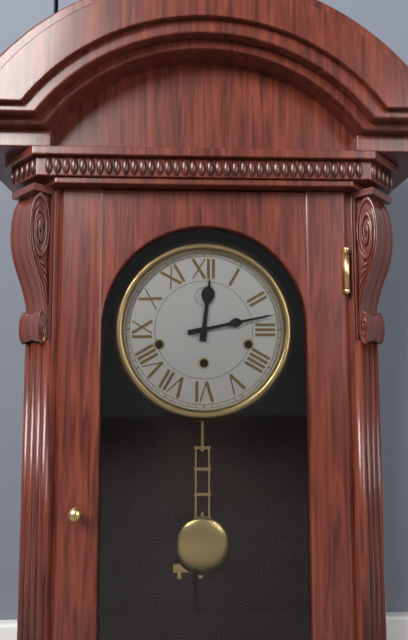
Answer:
{"hour": 12, "minute": 13}
